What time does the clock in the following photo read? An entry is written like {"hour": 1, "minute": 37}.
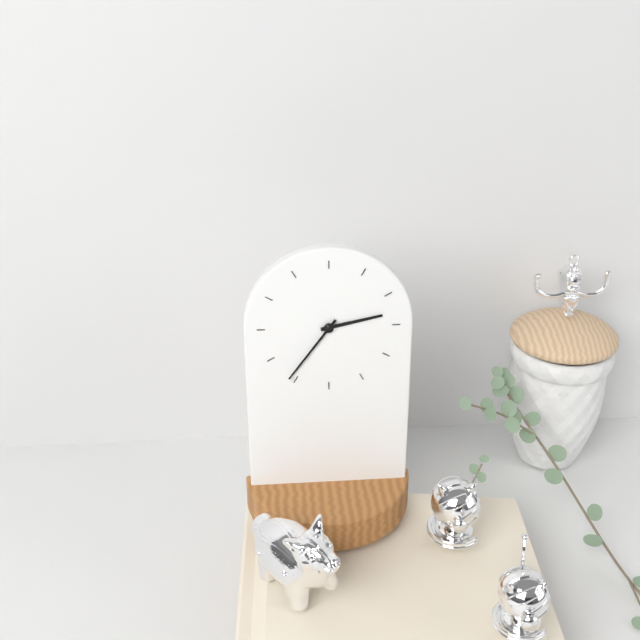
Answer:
{"hour": 2, "minute": 36}
